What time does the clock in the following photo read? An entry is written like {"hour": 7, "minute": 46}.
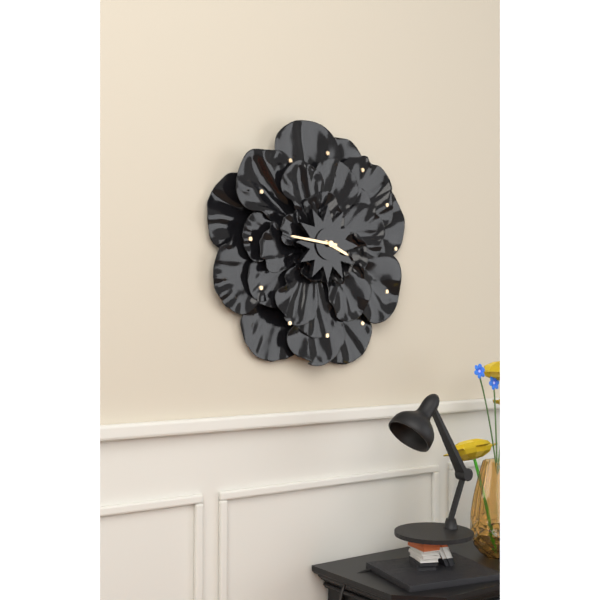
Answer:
{"hour": 3, "minute": 46}
